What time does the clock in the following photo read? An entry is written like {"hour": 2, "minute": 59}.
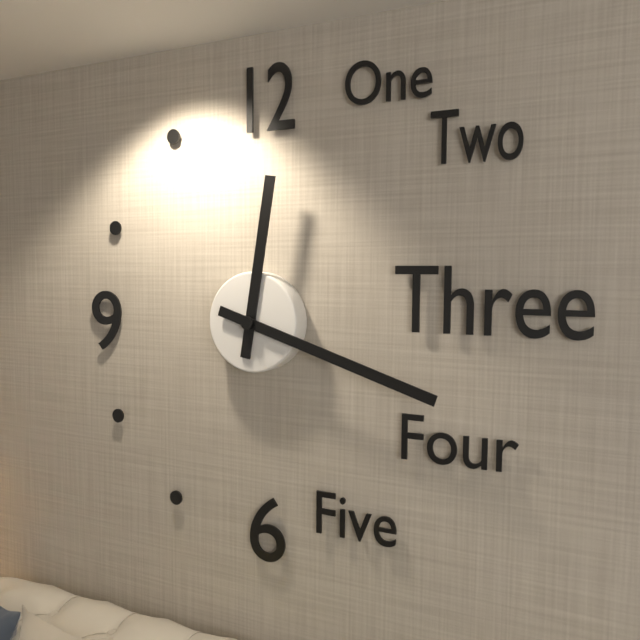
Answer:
{"hour": 12, "minute": 18}
